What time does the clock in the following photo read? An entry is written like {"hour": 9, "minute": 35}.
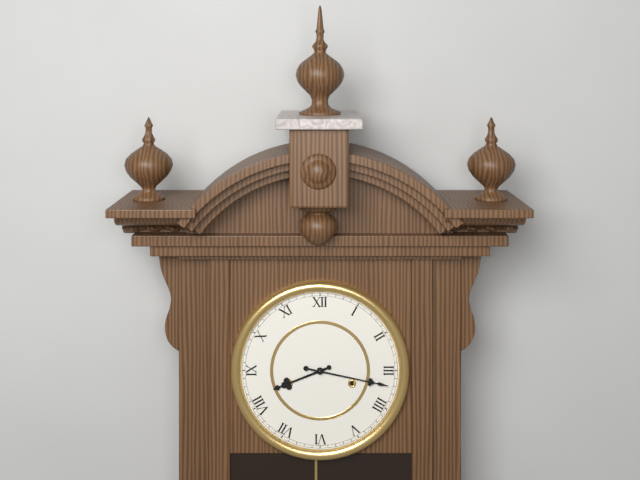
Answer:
{"hour": 8, "minute": 17}
